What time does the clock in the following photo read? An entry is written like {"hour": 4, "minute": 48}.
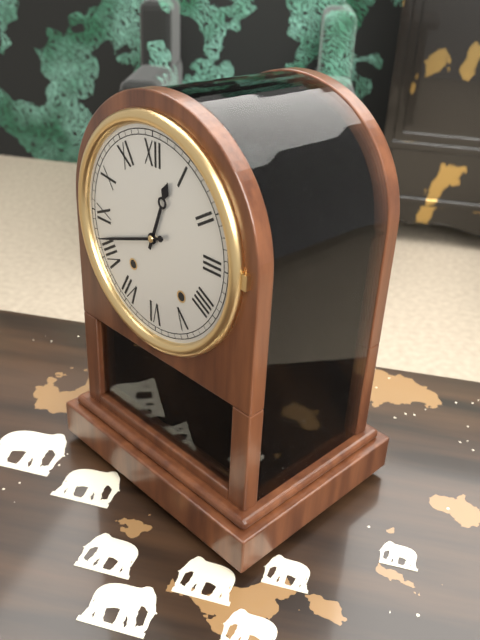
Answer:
{"hour": 12, "minute": 42}
